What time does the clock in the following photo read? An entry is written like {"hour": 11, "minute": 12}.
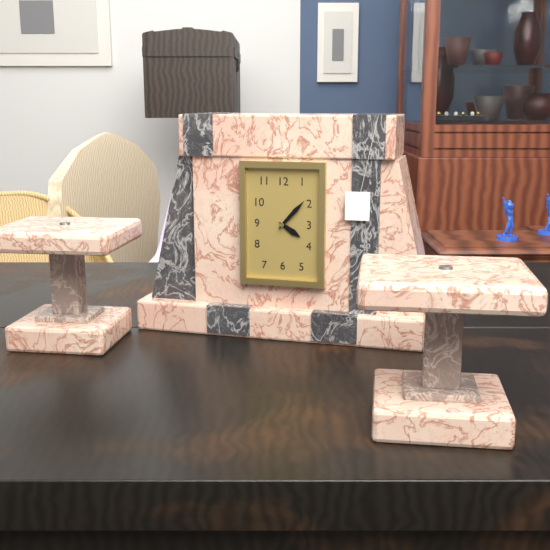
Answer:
{"hour": 4, "minute": 7}
